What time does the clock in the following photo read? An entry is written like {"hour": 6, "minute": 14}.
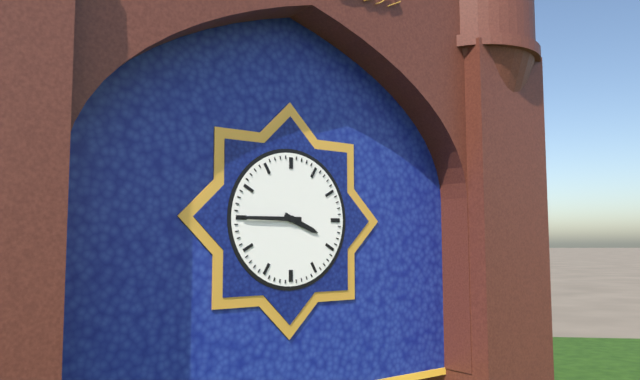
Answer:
{"hour": 3, "minute": 45}
